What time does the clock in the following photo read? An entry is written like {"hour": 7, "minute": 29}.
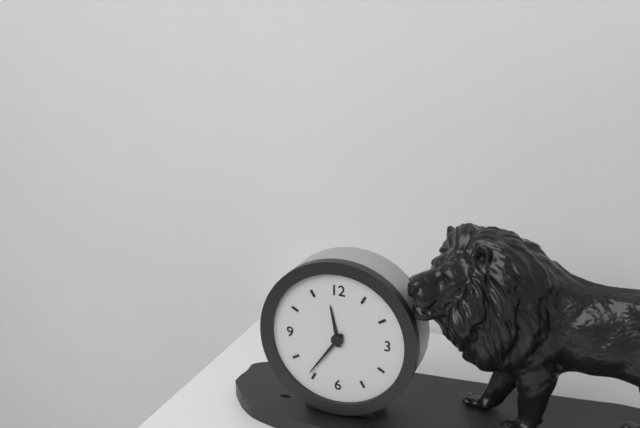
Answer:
{"hour": 11, "minute": 36}
